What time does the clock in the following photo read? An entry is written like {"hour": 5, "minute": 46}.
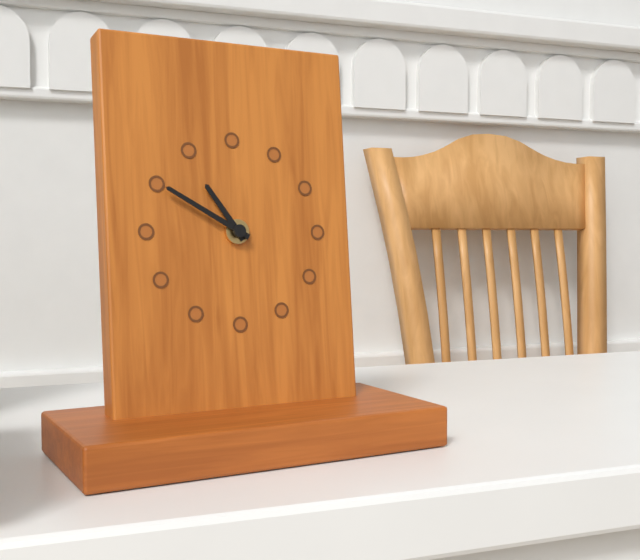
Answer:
{"hour": 10, "minute": 50}
